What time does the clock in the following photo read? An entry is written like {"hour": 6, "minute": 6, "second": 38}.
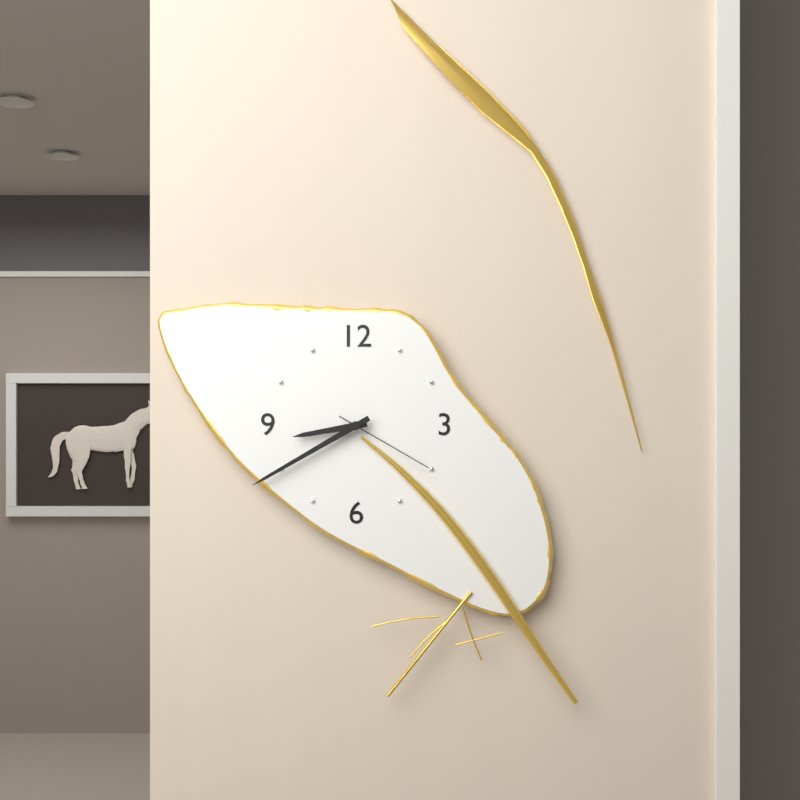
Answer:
{"hour": 8, "minute": 40, "second": 20}
